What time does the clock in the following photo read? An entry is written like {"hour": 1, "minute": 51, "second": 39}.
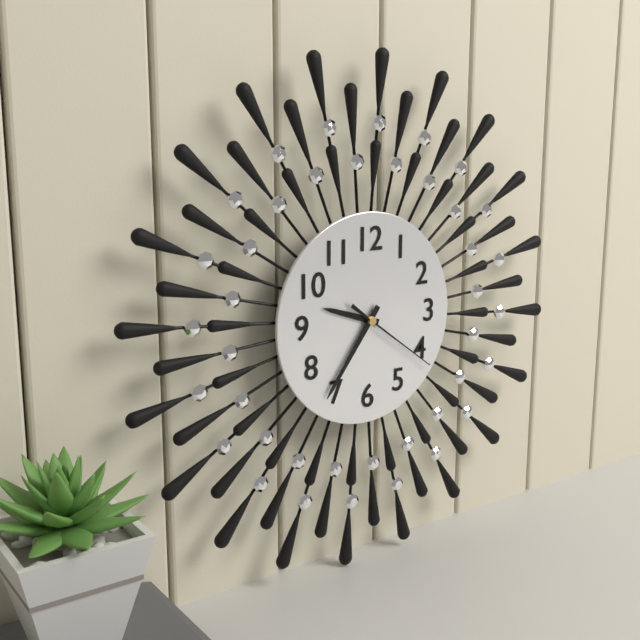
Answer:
{"hour": 9, "minute": 36, "second": 21}
